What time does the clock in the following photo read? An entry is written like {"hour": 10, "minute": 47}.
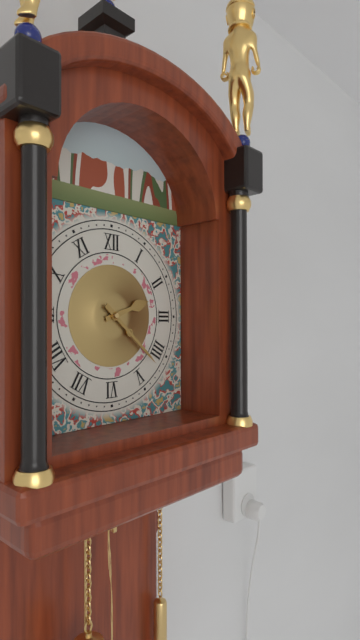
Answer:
{"hour": 2, "minute": 22}
